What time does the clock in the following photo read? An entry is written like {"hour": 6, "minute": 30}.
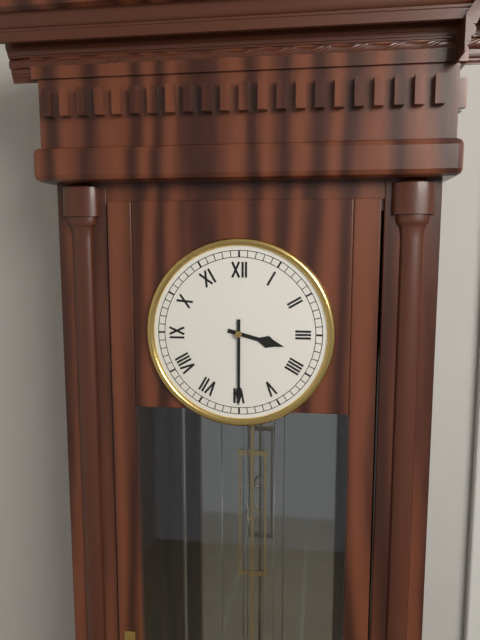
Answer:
{"hour": 3, "minute": 30}
